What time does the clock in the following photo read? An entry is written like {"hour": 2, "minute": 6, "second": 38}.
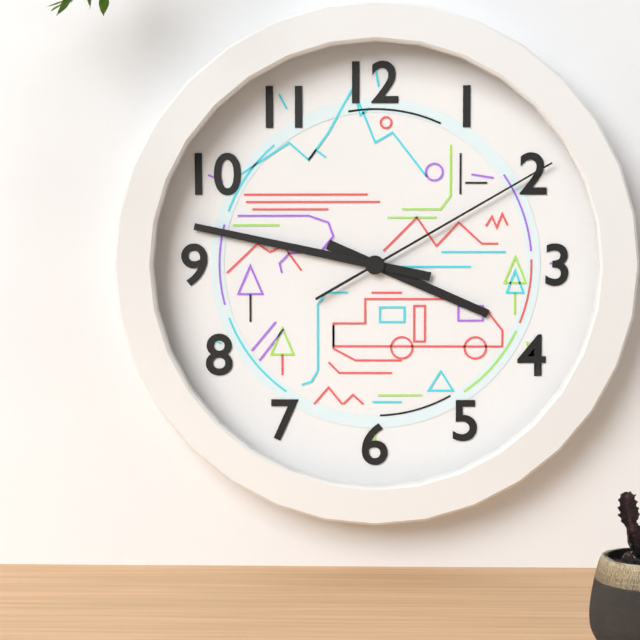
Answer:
{"hour": 3, "minute": 47, "second": 10}
